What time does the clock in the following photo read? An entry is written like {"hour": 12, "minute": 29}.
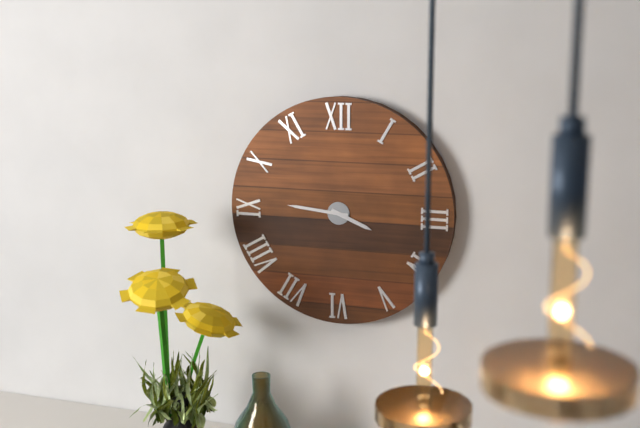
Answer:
{"hour": 3, "minute": 46}
